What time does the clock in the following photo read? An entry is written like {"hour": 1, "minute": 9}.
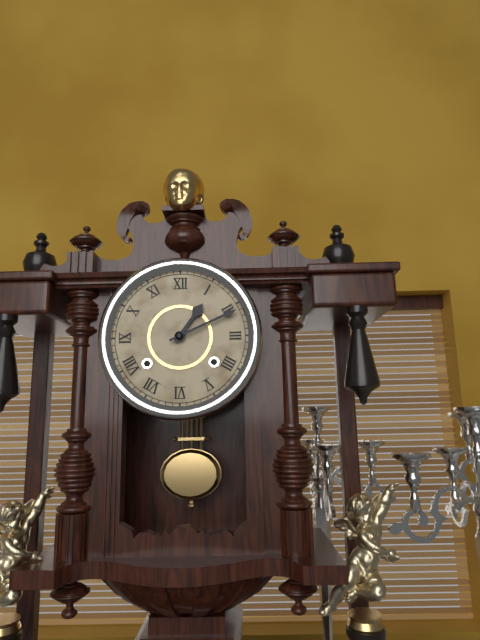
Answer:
{"hour": 1, "minute": 11}
